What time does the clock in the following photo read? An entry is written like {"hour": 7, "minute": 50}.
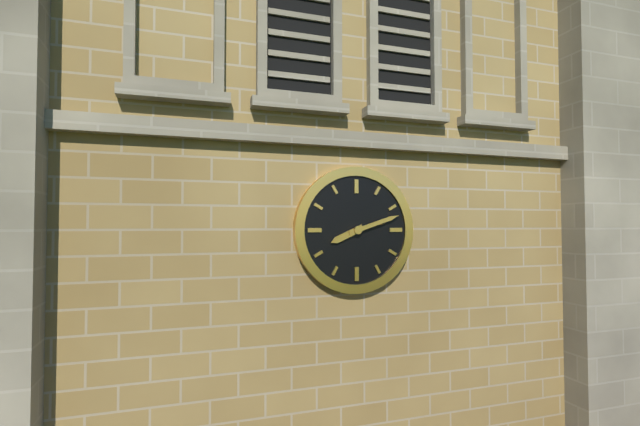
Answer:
{"hour": 8, "minute": 12}
